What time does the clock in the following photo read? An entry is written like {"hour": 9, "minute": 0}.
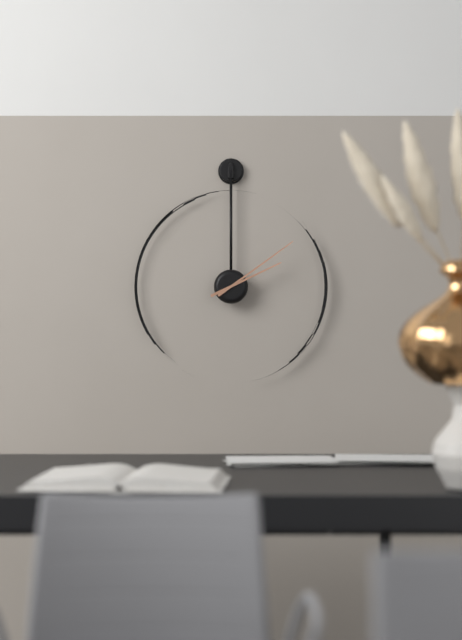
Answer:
{"hour": 2, "minute": 9}
